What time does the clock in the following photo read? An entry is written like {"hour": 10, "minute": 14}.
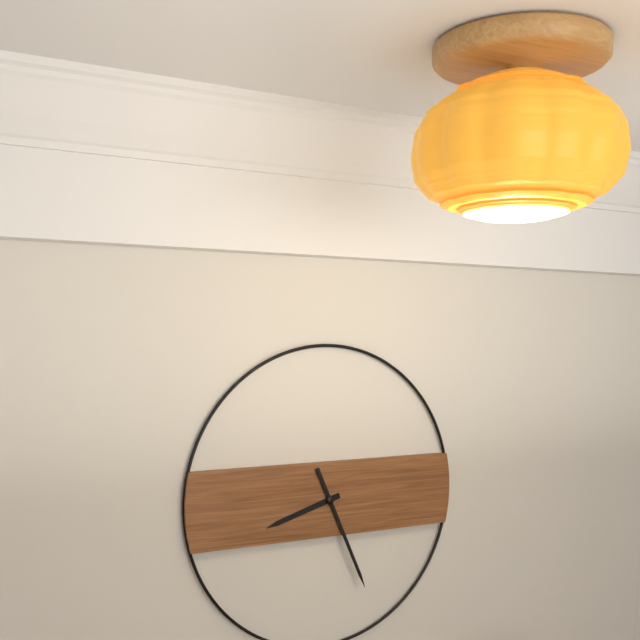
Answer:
{"hour": 8, "minute": 26}
